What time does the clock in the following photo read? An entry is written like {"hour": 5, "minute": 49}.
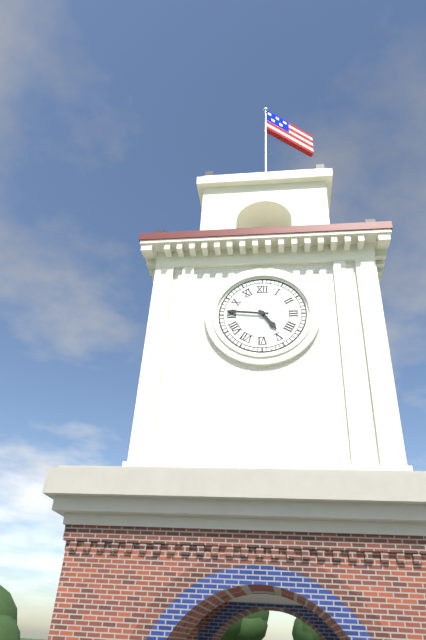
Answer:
{"hour": 4, "minute": 46}
